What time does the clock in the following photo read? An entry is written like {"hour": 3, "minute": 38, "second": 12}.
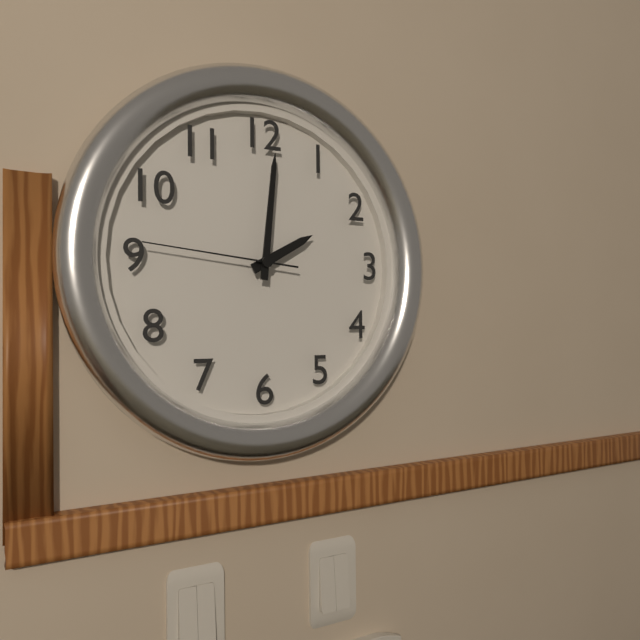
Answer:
{"hour": 2, "minute": 1, "second": 46}
